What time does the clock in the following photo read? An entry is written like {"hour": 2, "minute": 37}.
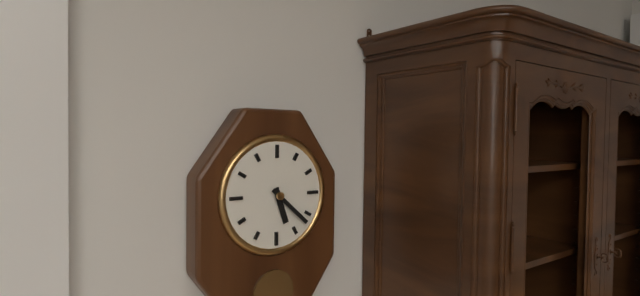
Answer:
{"hour": 5, "minute": 22}
